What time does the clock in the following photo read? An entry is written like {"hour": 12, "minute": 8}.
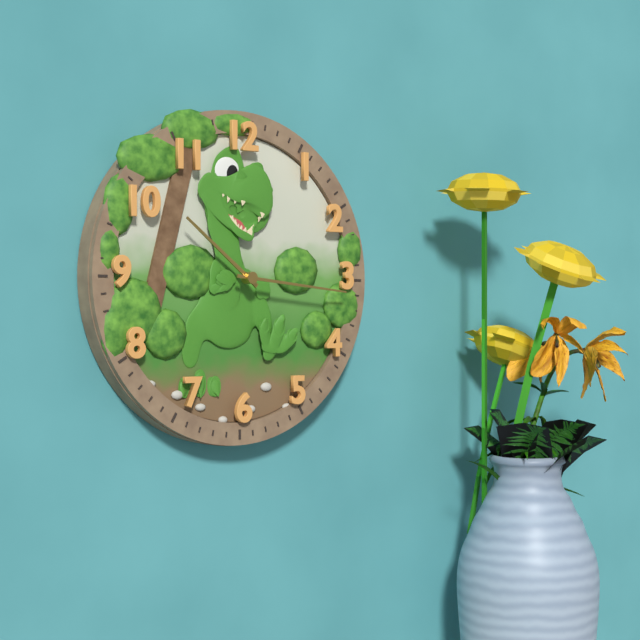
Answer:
{"hour": 10, "minute": 16}
